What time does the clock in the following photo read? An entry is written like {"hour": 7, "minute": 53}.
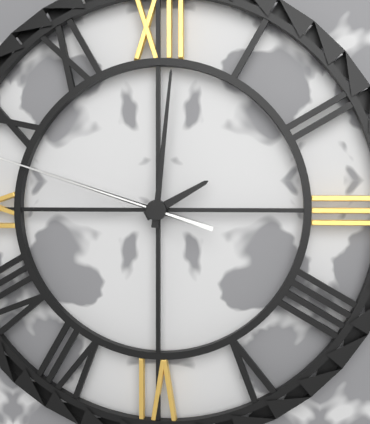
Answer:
{"hour": 2, "minute": 1}
